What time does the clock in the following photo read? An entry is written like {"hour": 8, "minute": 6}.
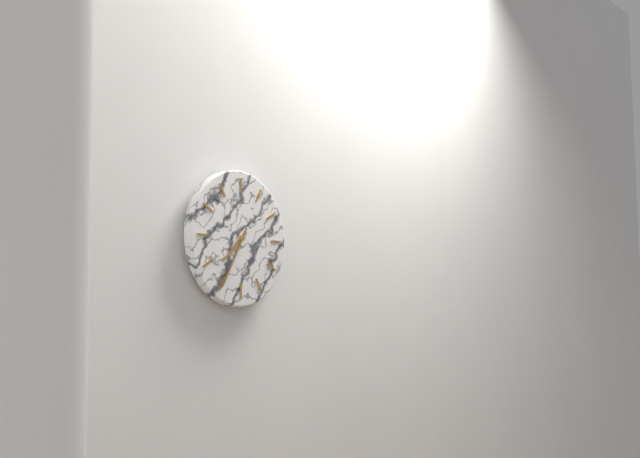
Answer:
{"hour": 7, "minute": 35}
